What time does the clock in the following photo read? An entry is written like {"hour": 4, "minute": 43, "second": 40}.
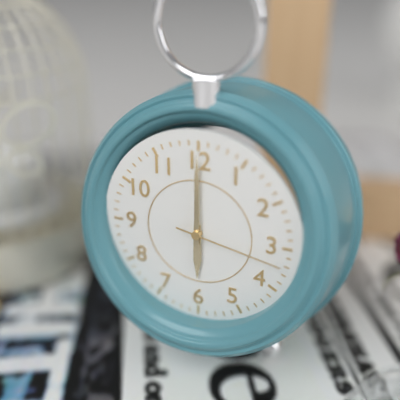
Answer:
{"hour": 6, "minute": 0, "second": 17}
